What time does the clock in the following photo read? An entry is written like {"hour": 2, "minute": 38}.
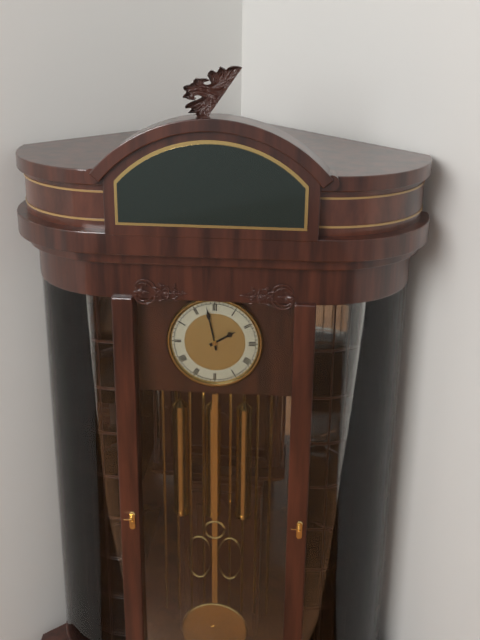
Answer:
{"hour": 1, "minute": 58}
